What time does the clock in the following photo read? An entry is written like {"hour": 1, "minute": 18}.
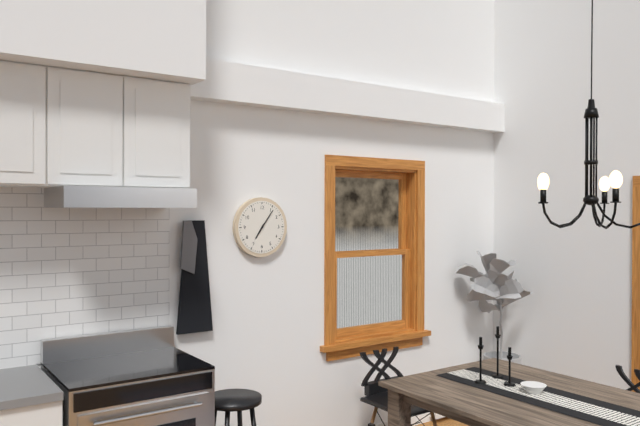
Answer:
{"hour": 7, "minute": 6}
